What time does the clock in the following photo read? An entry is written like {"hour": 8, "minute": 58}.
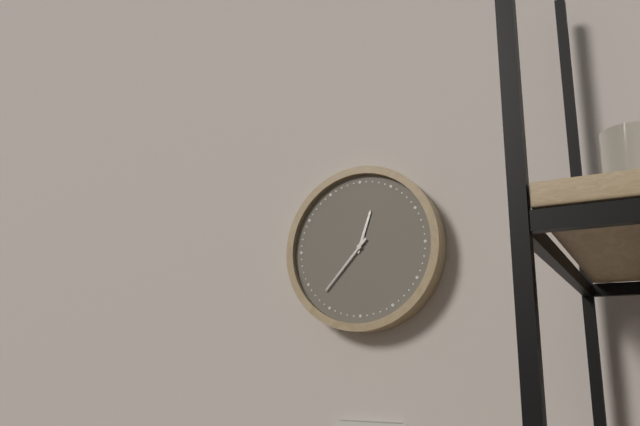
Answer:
{"hour": 12, "minute": 37}
